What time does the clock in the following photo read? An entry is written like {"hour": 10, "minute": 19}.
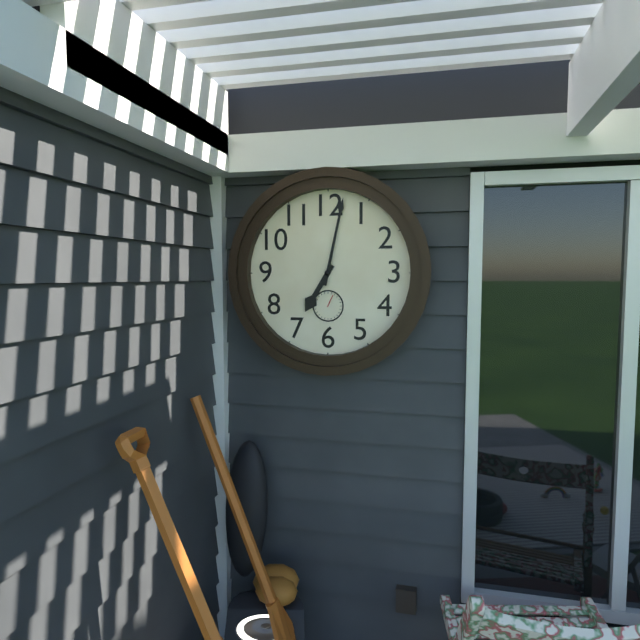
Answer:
{"hour": 7, "minute": 2}
